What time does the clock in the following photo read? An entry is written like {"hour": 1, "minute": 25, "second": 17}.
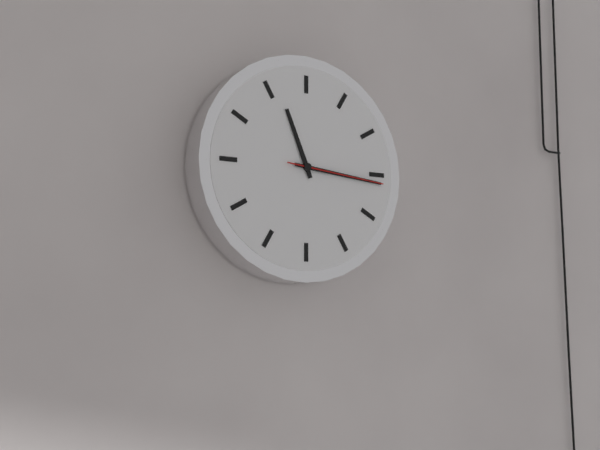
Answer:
{"hour": 11, "minute": 16, "second": 16}
